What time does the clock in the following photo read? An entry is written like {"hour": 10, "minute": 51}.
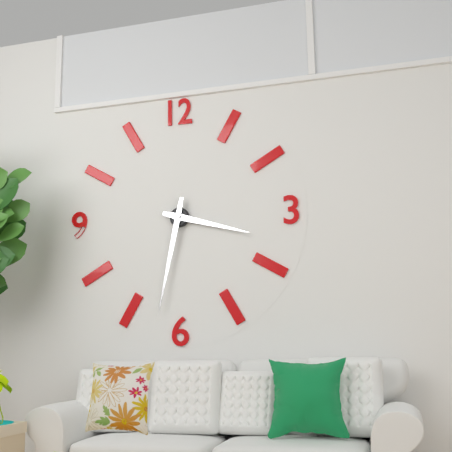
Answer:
{"hour": 3, "minute": 32}
